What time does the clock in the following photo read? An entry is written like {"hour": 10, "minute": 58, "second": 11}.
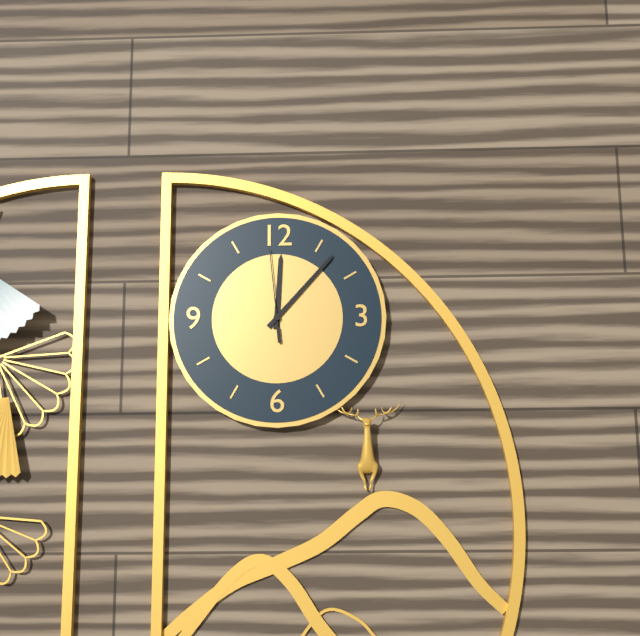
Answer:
{"hour": 12, "minute": 7, "second": 59}
